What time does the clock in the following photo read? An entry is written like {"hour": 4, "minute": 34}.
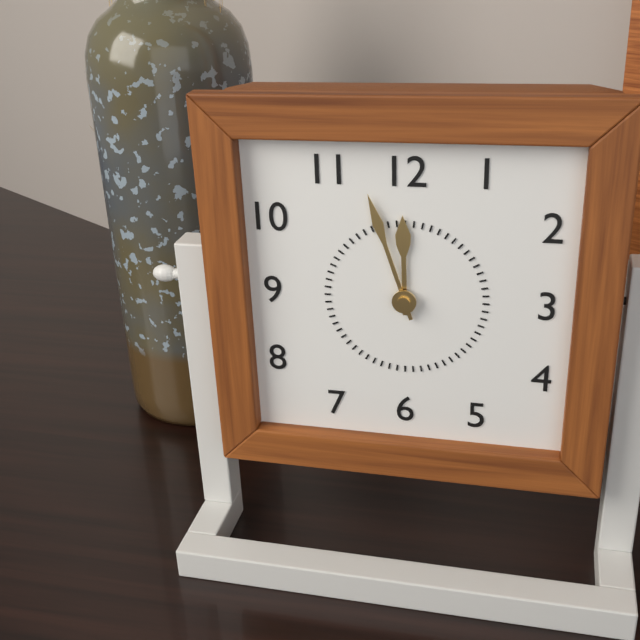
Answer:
{"hour": 11, "minute": 57}
